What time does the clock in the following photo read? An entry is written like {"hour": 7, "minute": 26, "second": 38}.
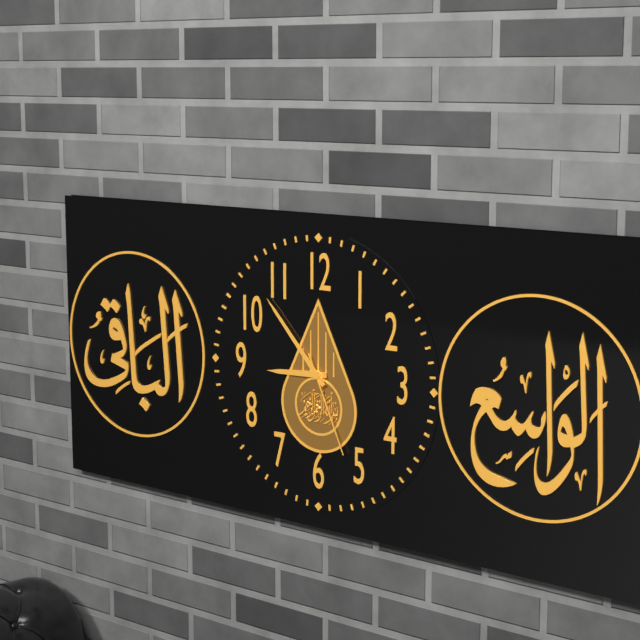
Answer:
{"hour": 8, "minute": 53, "second": 26}
